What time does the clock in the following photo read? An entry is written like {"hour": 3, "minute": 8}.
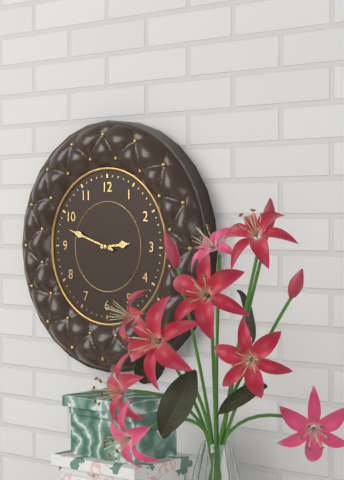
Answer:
{"hour": 2, "minute": 48}
